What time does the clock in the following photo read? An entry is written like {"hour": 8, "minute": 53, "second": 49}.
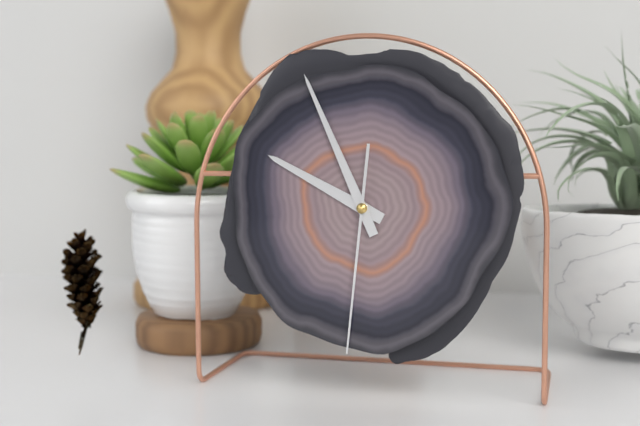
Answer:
{"hour": 9, "minute": 56, "second": 31}
